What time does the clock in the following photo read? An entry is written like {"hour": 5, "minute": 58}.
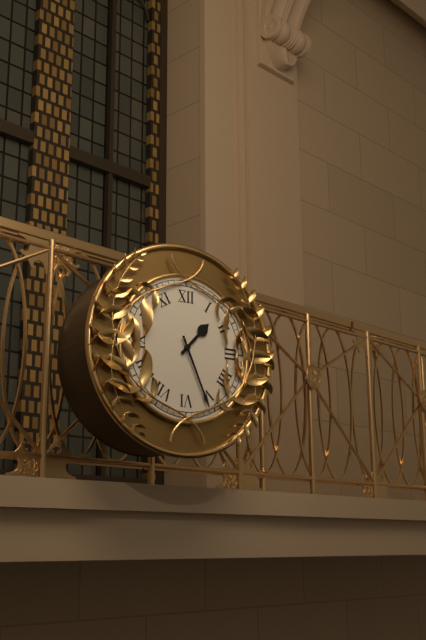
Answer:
{"hour": 1, "minute": 26}
